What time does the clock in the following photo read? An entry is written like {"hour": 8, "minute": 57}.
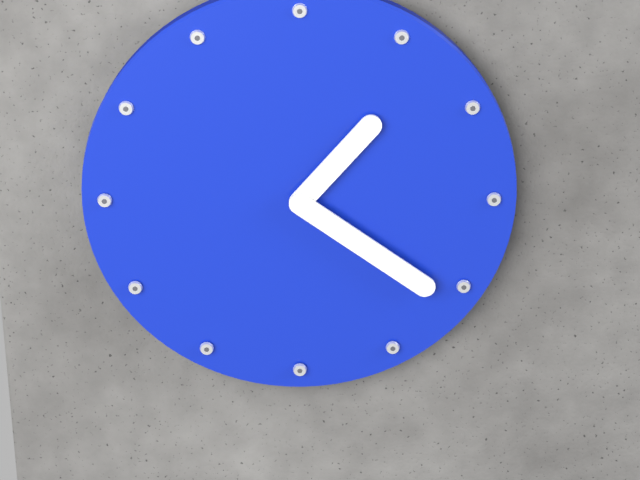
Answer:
{"hour": 1, "minute": 21}
